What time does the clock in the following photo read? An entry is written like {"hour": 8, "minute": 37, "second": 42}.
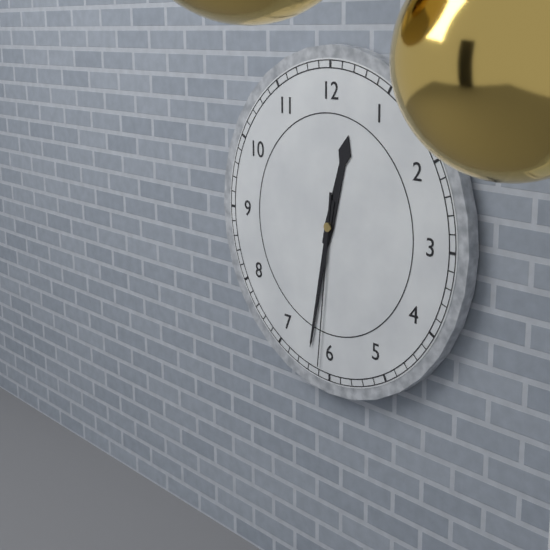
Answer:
{"hour": 12, "minute": 32, "second": 31}
